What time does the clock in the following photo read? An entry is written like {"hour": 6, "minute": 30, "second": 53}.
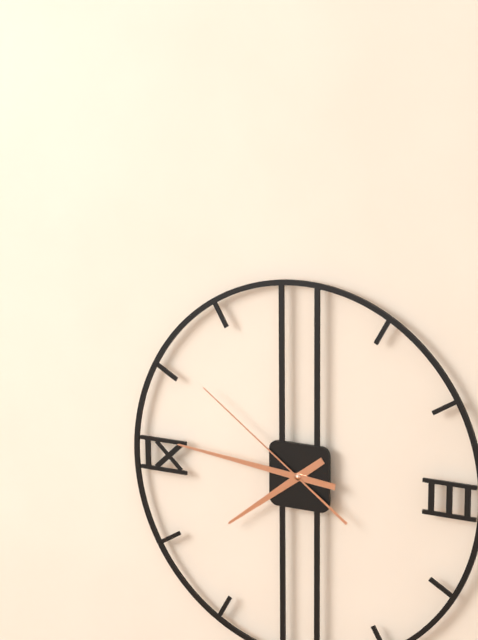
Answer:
{"hour": 7, "minute": 46, "second": 51}
